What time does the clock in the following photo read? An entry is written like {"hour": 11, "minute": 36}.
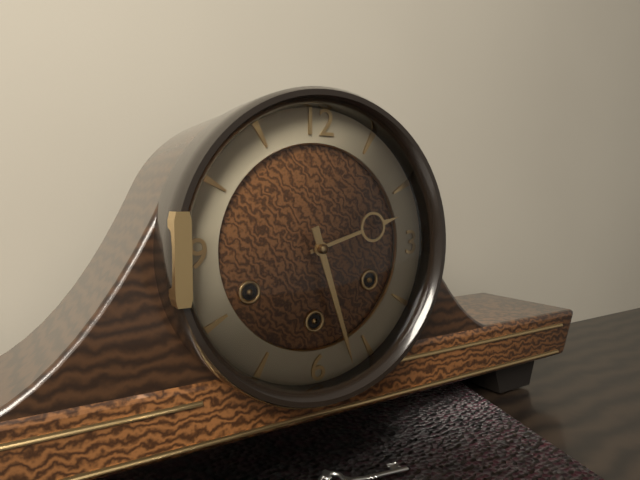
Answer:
{"hour": 2, "minute": 27}
